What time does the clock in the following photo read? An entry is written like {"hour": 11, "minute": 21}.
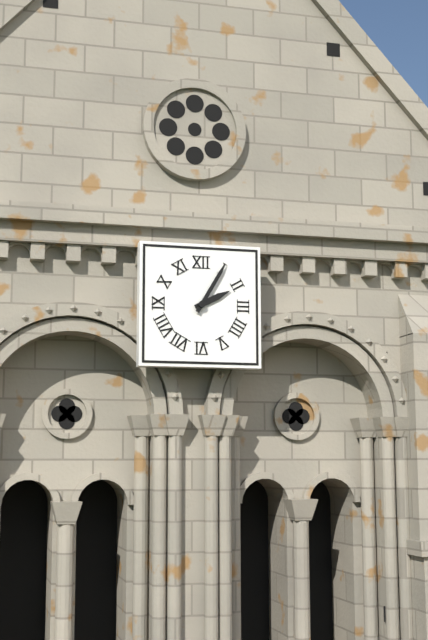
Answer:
{"hour": 2, "minute": 5}
